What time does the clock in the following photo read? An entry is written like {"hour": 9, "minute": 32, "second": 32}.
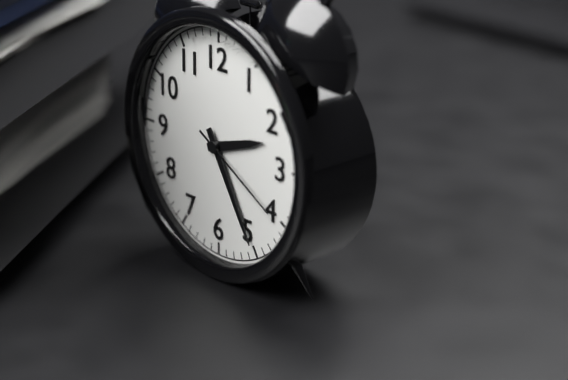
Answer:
{"hour": 2, "minute": 25, "second": 20}
